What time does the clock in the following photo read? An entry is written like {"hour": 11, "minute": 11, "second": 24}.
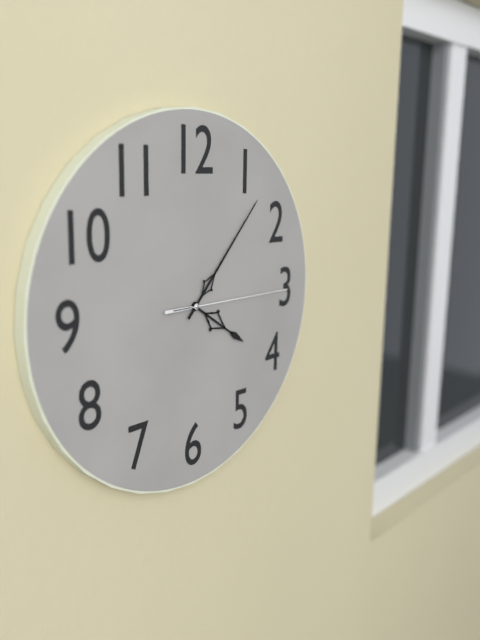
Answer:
{"hour": 4, "minute": 7, "second": 15}
